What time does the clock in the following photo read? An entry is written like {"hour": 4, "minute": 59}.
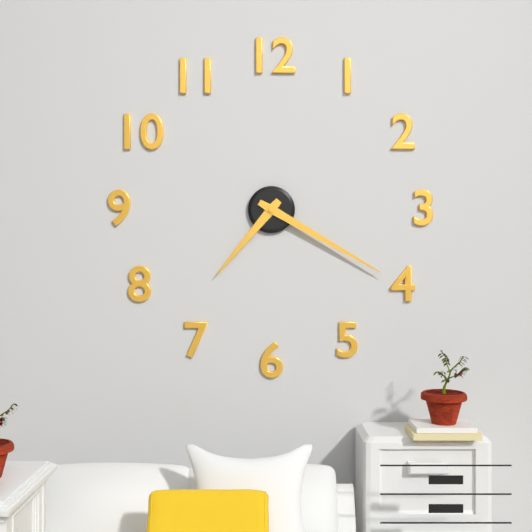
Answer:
{"hour": 7, "minute": 20}
